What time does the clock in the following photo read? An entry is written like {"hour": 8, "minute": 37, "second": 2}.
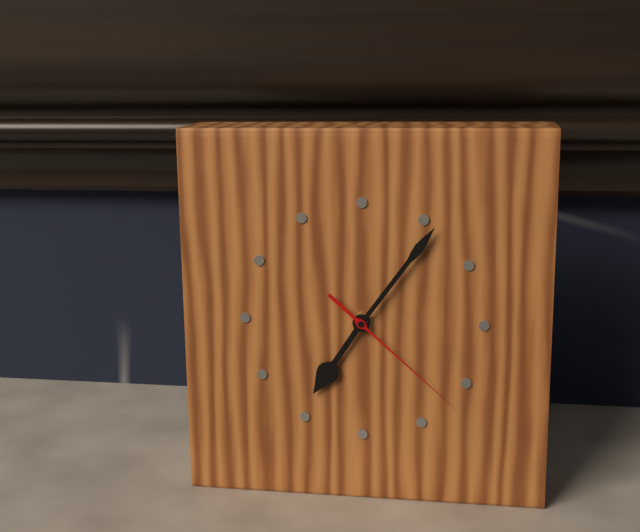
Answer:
{"hour": 7, "minute": 6, "second": 22}
